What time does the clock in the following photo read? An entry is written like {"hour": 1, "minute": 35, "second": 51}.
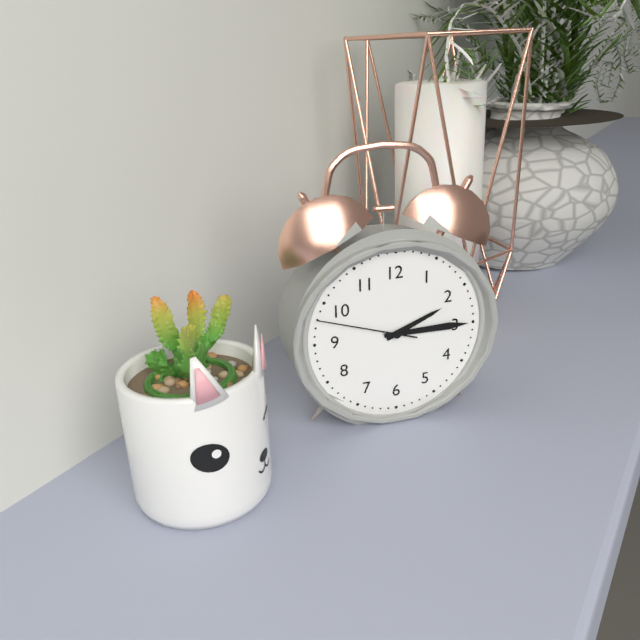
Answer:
{"hour": 2, "minute": 15, "second": 48}
